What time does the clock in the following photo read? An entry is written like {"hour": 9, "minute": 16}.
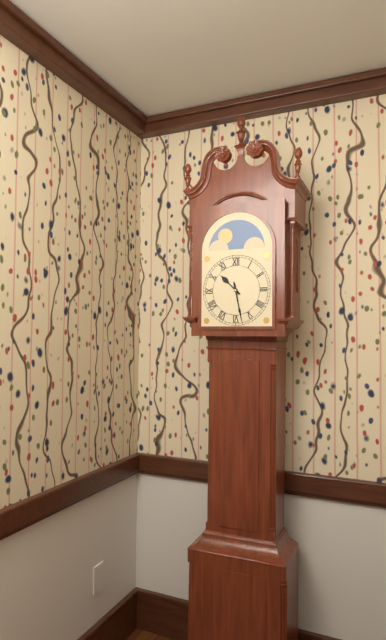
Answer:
{"hour": 10, "minute": 28}
